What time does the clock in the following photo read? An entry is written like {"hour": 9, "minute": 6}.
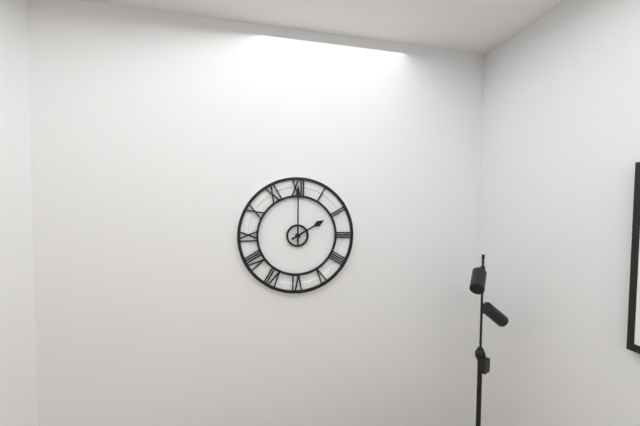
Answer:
{"hour": 2, "minute": 0}
